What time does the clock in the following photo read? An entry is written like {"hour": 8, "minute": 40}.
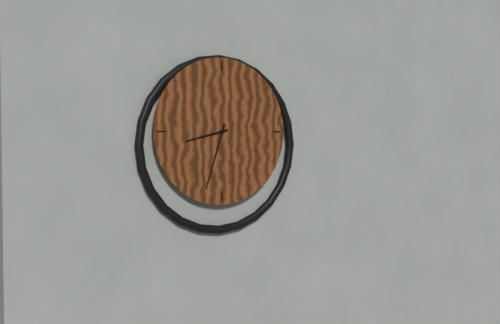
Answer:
{"hour": 8, "minute": 33}
